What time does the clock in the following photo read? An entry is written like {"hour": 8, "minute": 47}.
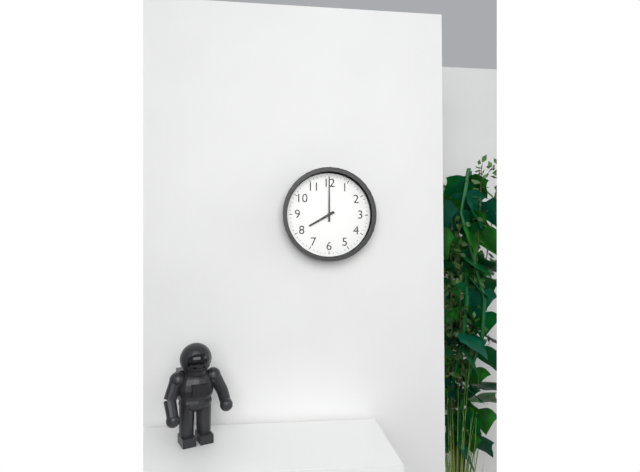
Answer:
{"hour": 8, "minute": 0}
